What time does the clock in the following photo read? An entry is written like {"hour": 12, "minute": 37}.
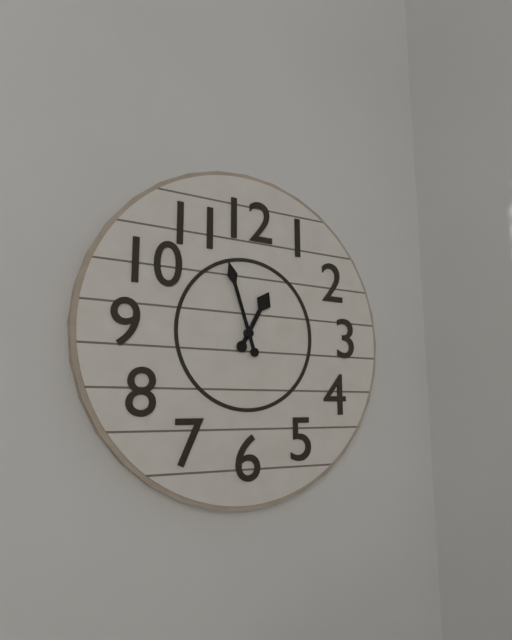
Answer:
{"hour": 12, "minute": 57}
